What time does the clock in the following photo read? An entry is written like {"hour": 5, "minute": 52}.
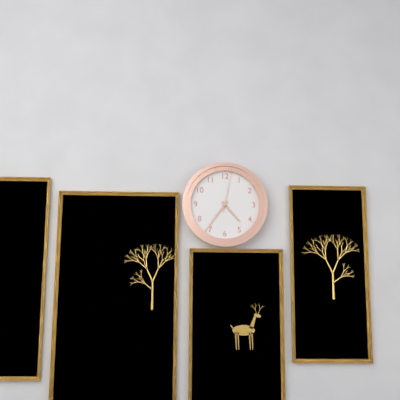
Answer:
{"hour": 4, "minute": 36}
